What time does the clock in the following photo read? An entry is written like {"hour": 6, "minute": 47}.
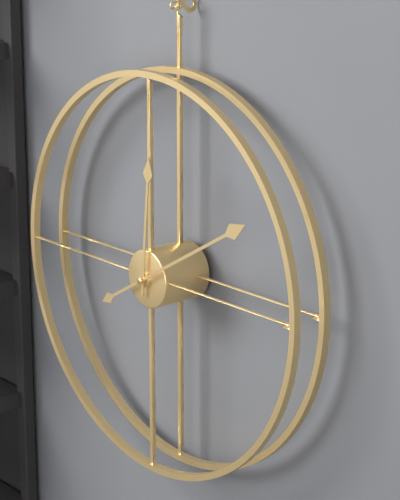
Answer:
{"hour": 12, "minute": 10}
